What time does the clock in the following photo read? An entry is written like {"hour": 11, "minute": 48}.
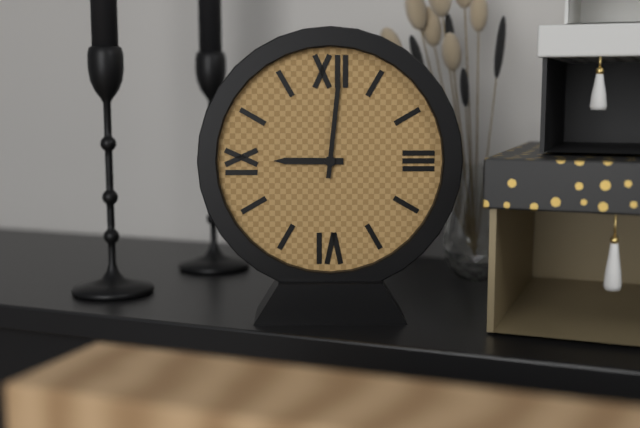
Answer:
{"hour": 9, "minute": 1}
